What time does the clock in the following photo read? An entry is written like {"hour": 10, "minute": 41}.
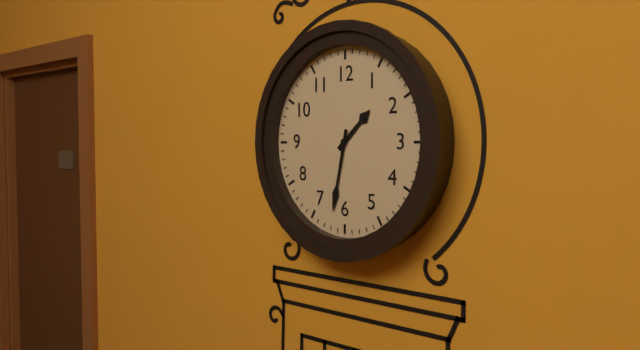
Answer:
{"hour": 1, "minute": 32}
